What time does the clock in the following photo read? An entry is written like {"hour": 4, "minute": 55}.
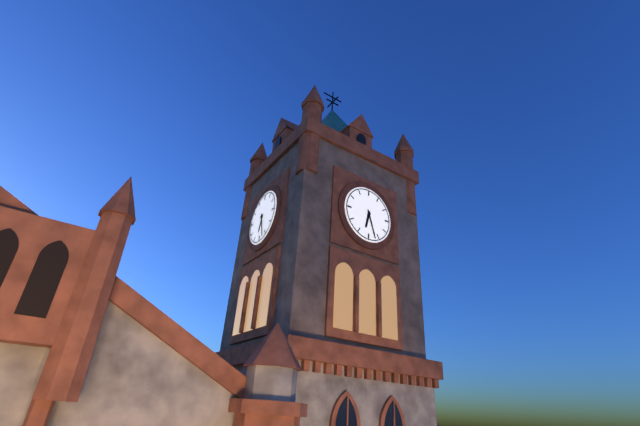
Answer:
{"hour": 6, "minute": 27}
